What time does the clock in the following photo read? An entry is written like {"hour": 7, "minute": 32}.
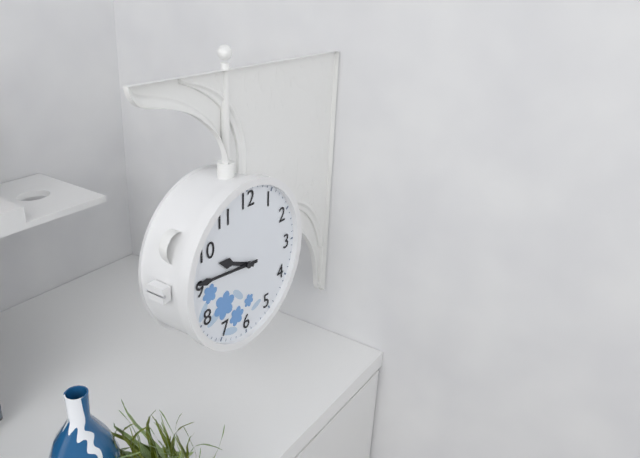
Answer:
{"hour": 9, "minute": 46}
